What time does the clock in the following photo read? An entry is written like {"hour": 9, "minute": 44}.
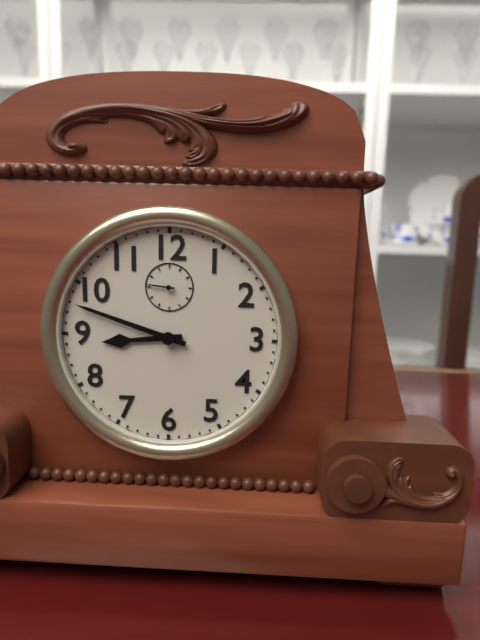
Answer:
{"hour": 8, "minute": 48}
